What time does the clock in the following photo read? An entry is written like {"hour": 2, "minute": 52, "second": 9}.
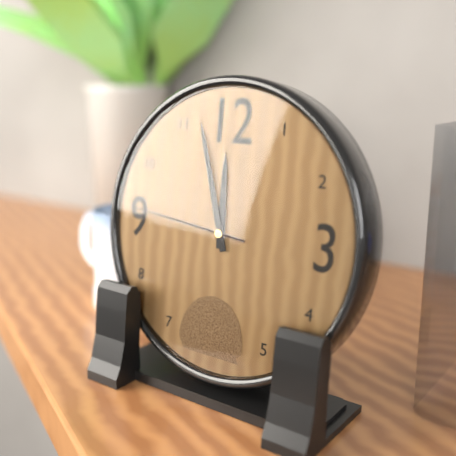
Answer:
{"hour": 11, "minute": 57, "second": 46}
